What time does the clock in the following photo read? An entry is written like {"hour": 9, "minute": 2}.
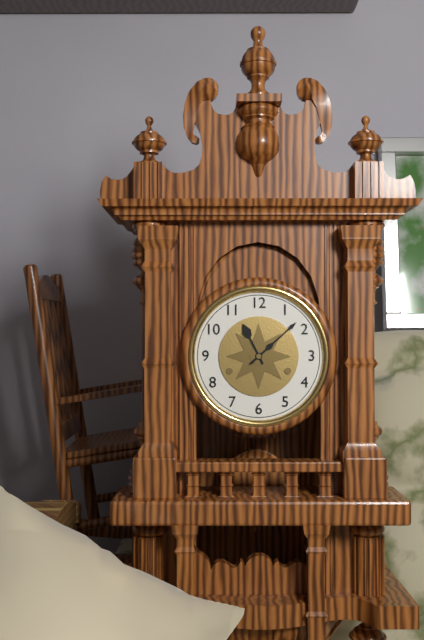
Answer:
{"hour": 11, "minute": 8}
